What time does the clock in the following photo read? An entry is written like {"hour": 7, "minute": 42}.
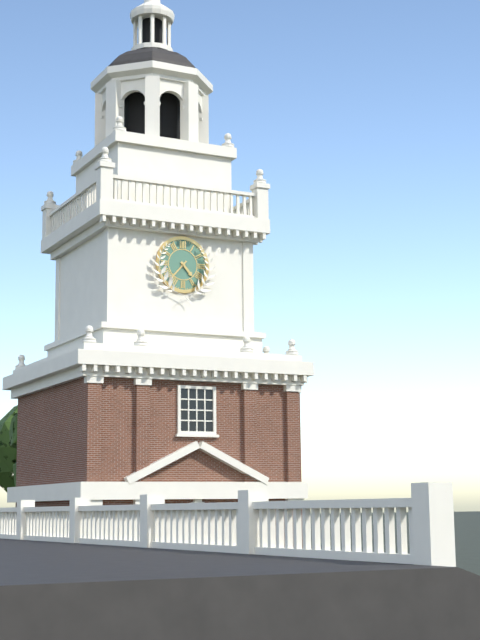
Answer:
{"hour": 4, "minute": 37}
